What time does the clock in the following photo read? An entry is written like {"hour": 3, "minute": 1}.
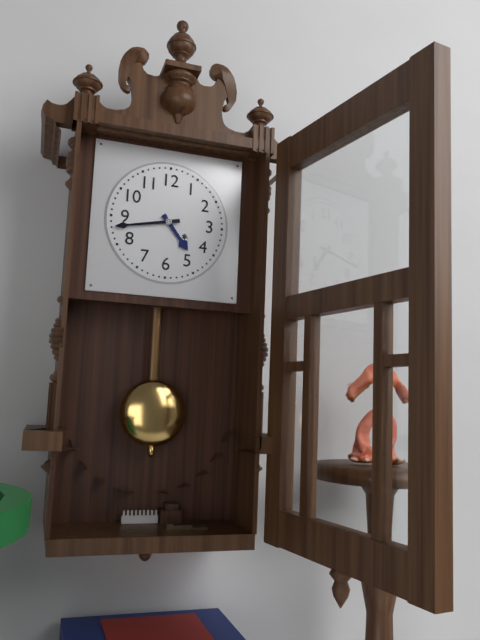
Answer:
{"hour": 4, "minute": 43}
